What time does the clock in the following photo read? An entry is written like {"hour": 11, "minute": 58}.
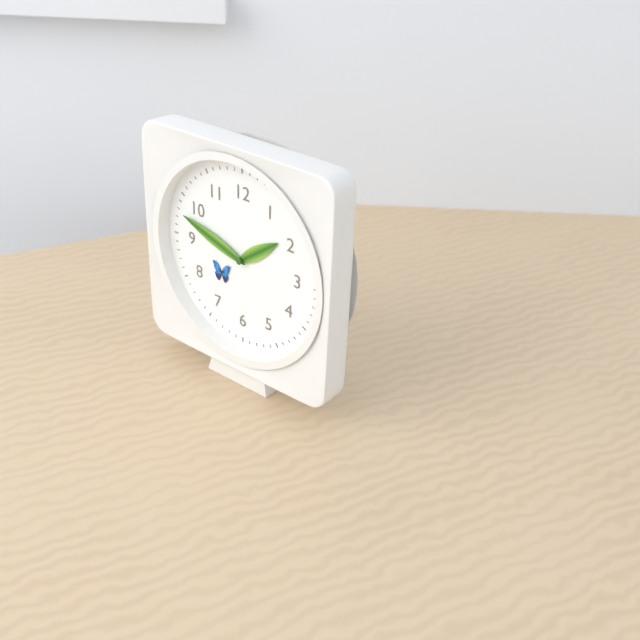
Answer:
{"hour": 1, "minute": 48}
